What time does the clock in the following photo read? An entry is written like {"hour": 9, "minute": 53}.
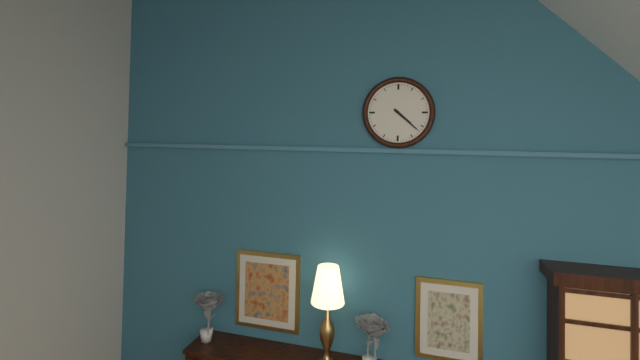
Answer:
{"hour": 4, "minute": 22}
